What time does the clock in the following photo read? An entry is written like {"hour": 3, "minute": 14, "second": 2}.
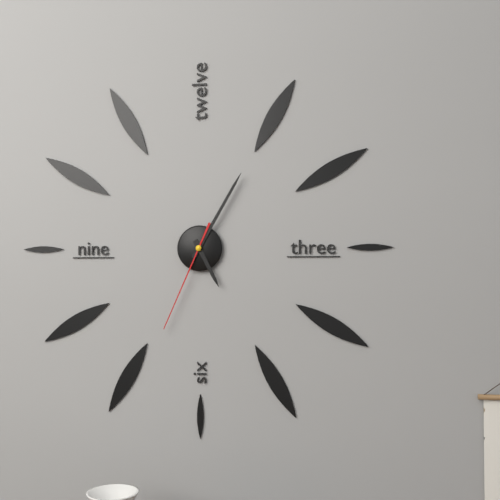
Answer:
{"hour": 5, "minute": 5, "second": 34}
